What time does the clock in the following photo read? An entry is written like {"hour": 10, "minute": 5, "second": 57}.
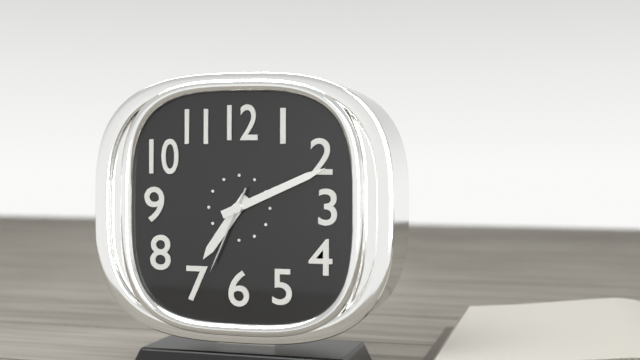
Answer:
{"hour": 7, "minute": 11, "second": 34}
